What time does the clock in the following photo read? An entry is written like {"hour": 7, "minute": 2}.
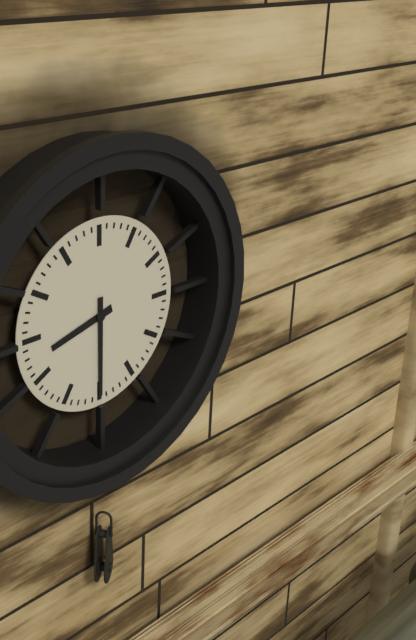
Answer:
{"hour": 8, "minute": 30}
